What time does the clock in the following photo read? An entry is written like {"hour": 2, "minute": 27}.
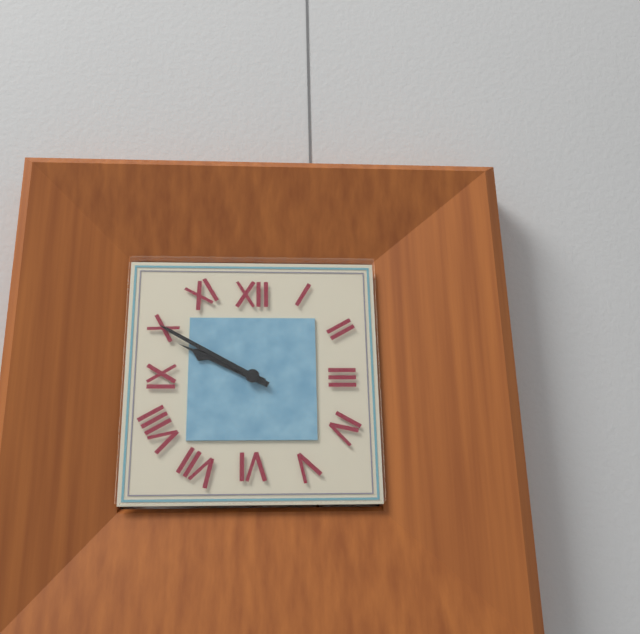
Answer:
{"hour": 9, "minute": 50}
